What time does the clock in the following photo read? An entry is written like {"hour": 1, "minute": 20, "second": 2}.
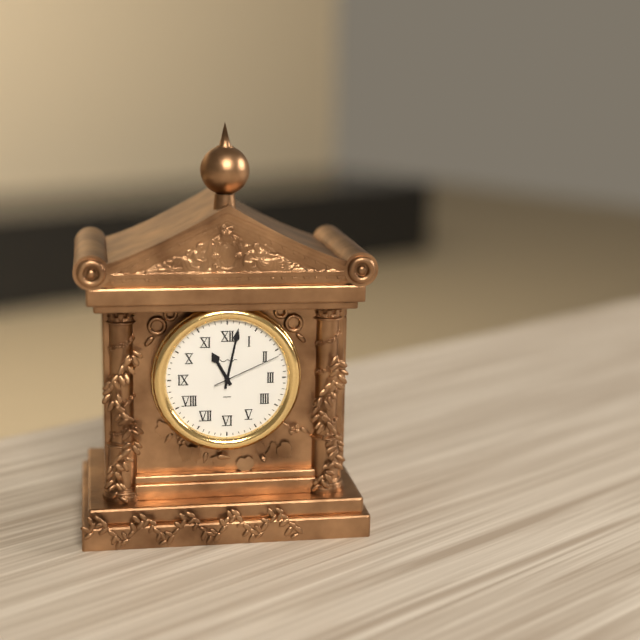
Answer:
{"hour": 11, "minute": 2, "second": 11}
